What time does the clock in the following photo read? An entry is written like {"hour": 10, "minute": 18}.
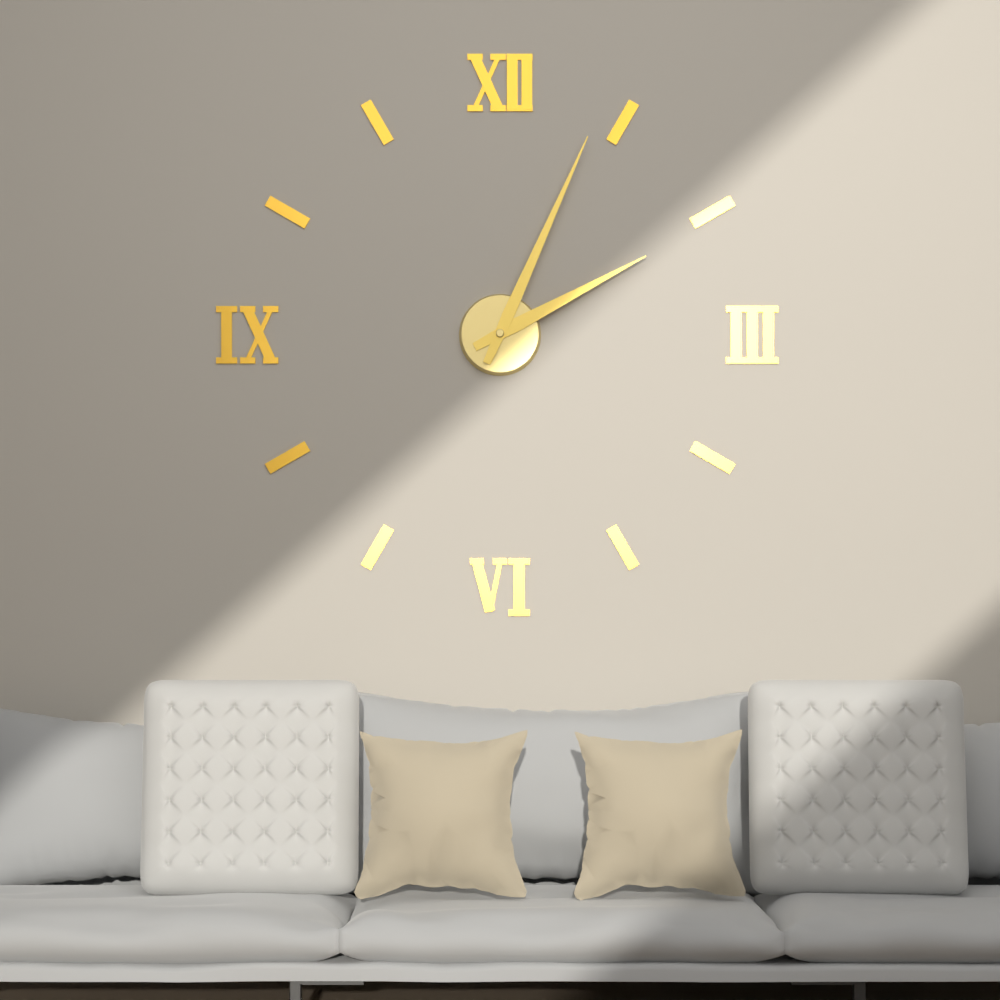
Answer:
{"hour": 2, "minute": 4}
